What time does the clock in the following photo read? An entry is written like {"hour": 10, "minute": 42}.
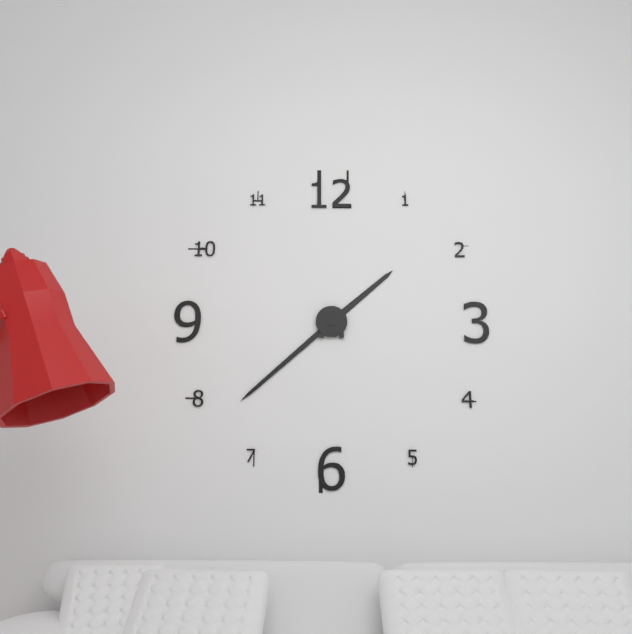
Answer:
{"hour": 1, "minute": 38}
